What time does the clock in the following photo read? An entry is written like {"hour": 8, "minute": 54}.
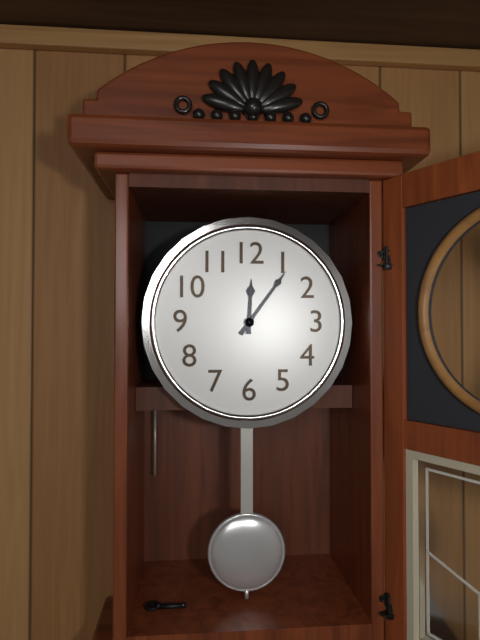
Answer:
{"hour": 12, "minute": 6}
